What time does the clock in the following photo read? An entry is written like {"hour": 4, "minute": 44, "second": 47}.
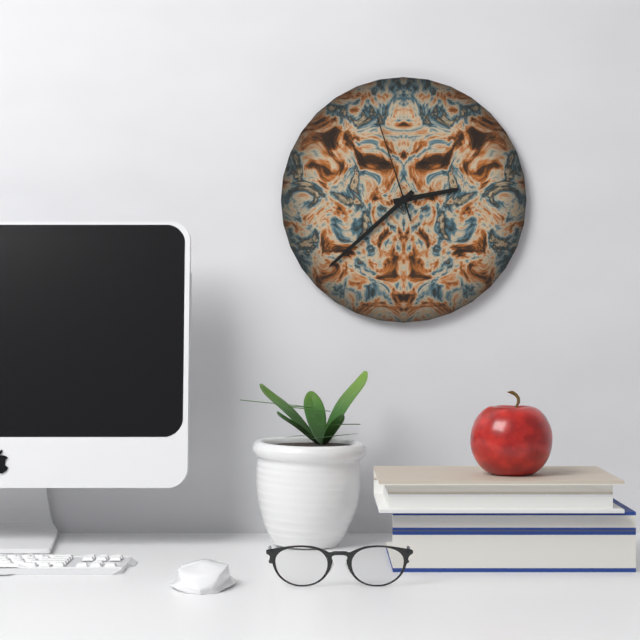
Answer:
{"hour": 2, "minute": 38, "second": 57}
